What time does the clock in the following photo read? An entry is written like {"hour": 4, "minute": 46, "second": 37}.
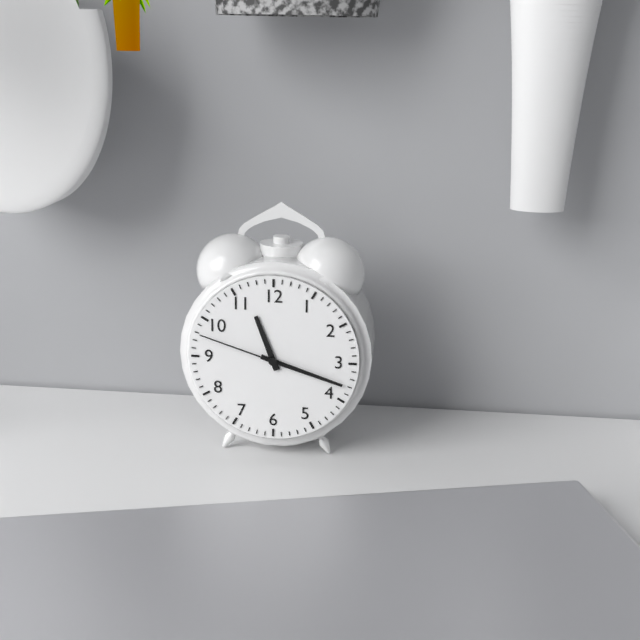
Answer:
{"hour": 11, "minute": 18, "second": 48}
